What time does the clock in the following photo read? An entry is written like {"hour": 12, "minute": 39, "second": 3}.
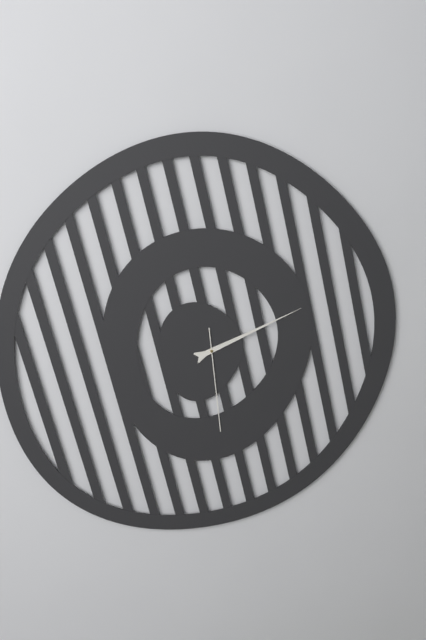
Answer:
{"hour": 2, "minute": 11, "second": 29}
